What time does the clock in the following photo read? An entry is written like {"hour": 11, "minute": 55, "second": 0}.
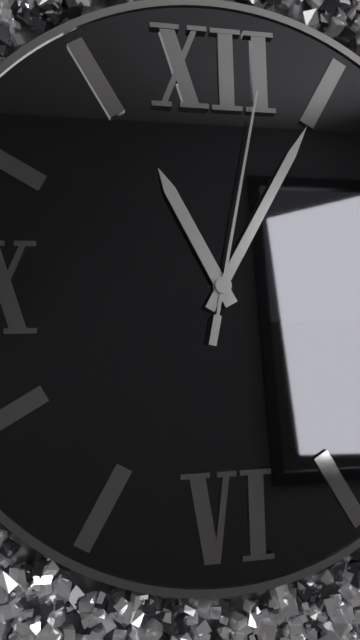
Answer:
{"hour": 11, "minute": 5, "second": 2}
